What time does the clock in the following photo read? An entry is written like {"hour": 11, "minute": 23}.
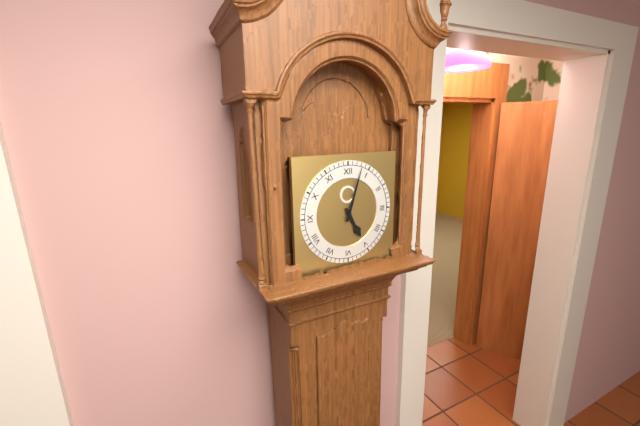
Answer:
{"hour": 5, "minute": 3}
